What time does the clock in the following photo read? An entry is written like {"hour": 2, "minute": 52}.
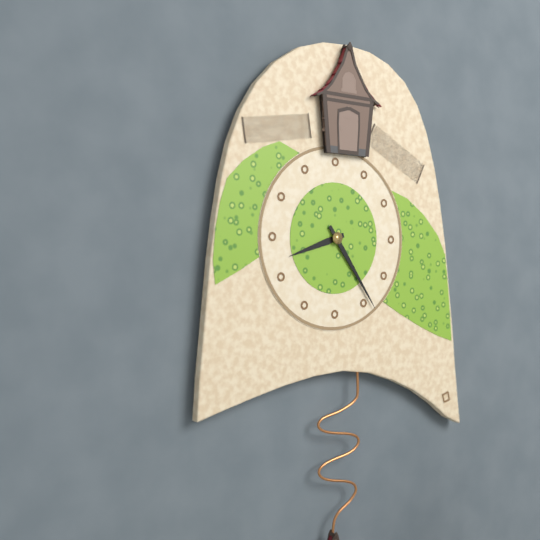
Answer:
{"hour": 8, "minute": 24}
